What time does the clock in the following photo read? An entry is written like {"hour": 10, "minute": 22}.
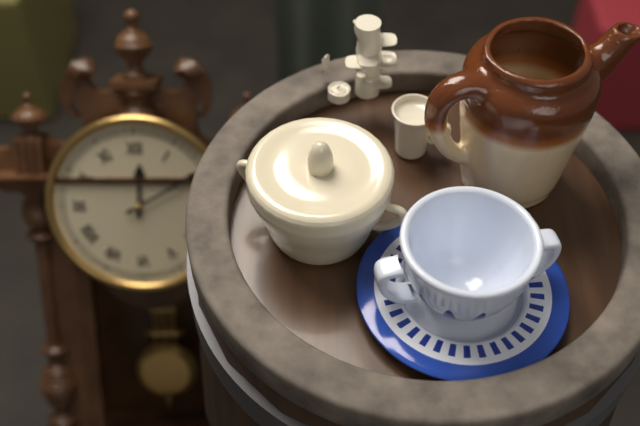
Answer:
{"hour": 12, "minute": 10}
